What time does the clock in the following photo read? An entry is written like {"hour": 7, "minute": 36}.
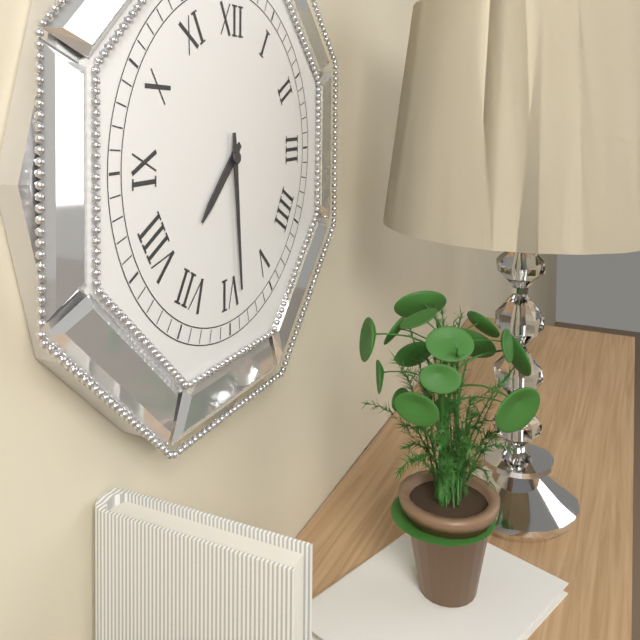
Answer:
{"hour": 7, "minute": 29}
